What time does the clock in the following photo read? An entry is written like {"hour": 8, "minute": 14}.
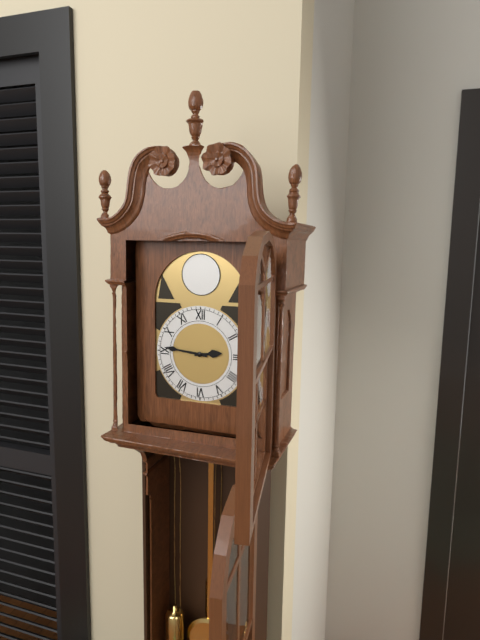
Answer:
{"hour": 2, "minute": 46}
